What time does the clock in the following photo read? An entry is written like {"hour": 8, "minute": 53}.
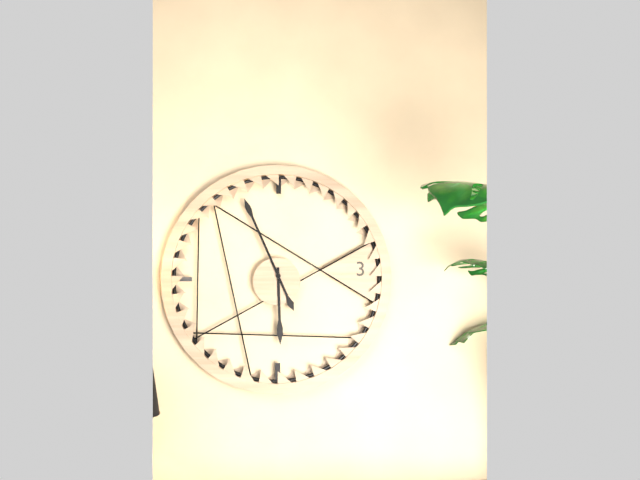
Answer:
{"hour": 5, "minute": 56}
